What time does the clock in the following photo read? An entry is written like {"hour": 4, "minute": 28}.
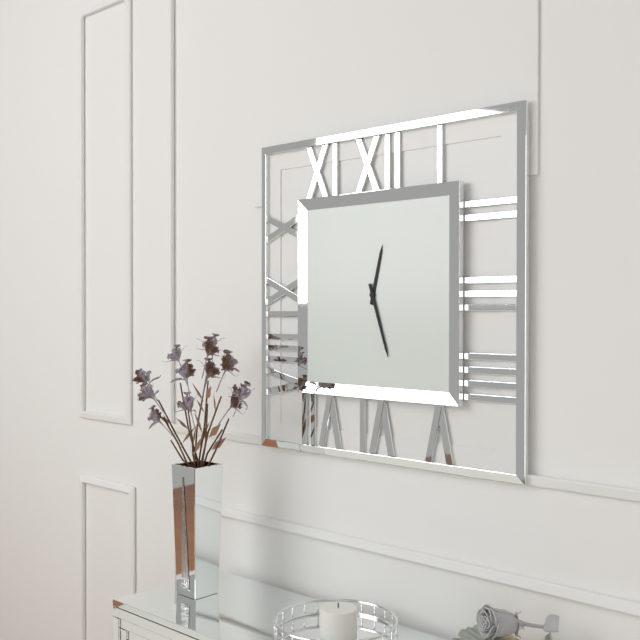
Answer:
{"hour": 12, "minute": 27}
